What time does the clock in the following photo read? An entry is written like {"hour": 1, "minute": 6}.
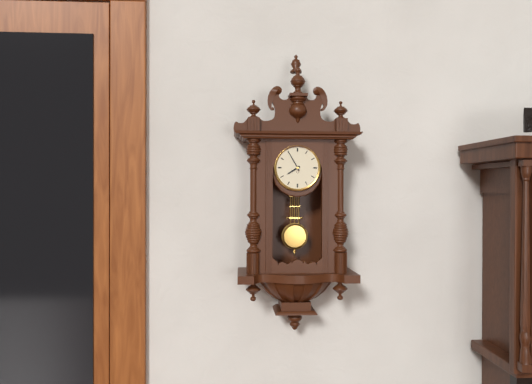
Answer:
{"hour": 7, "minute": 55}
